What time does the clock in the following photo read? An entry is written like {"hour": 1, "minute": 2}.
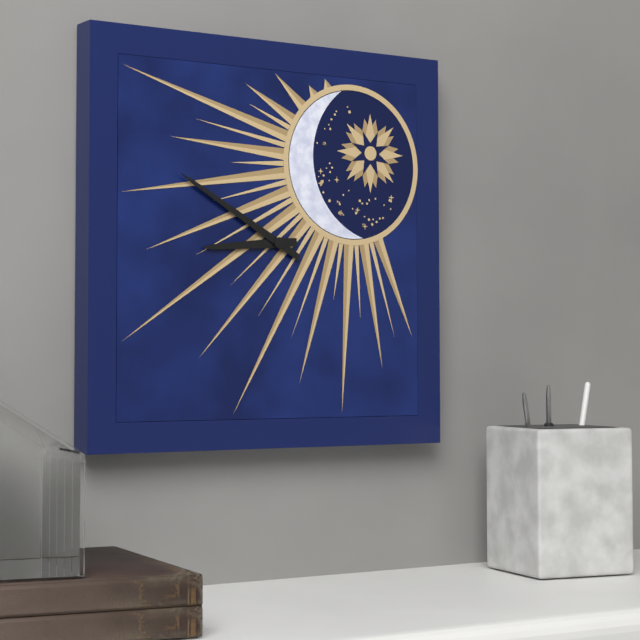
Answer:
{"hour": 8, "minute": 50}
